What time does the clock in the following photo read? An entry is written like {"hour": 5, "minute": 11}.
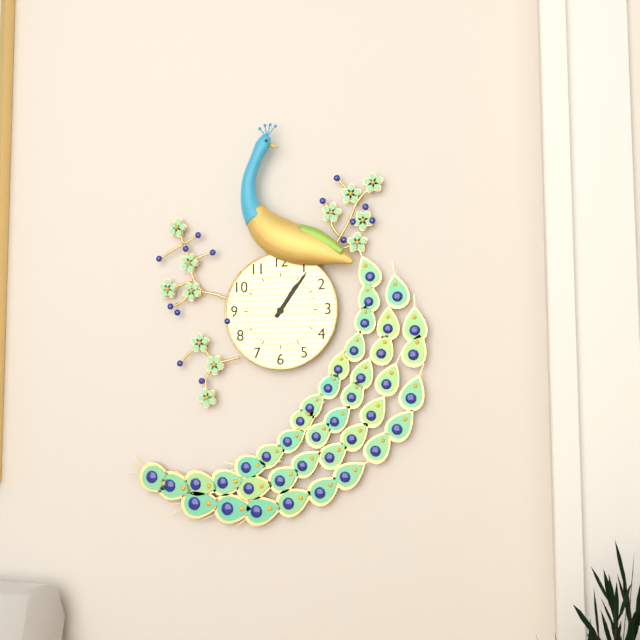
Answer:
{"hour": 1, "minute": 6}
